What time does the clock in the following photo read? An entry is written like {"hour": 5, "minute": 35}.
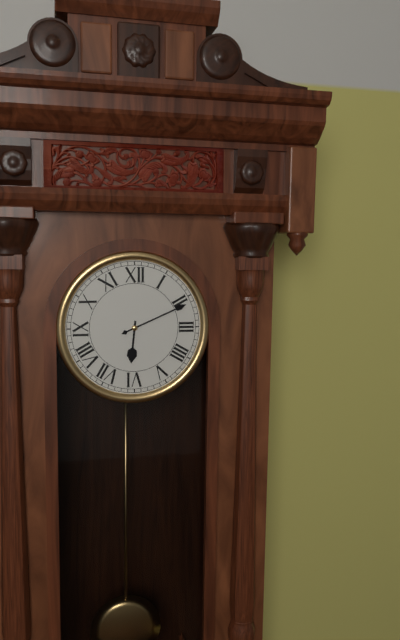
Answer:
{"hour": 6, "minute": 11}
